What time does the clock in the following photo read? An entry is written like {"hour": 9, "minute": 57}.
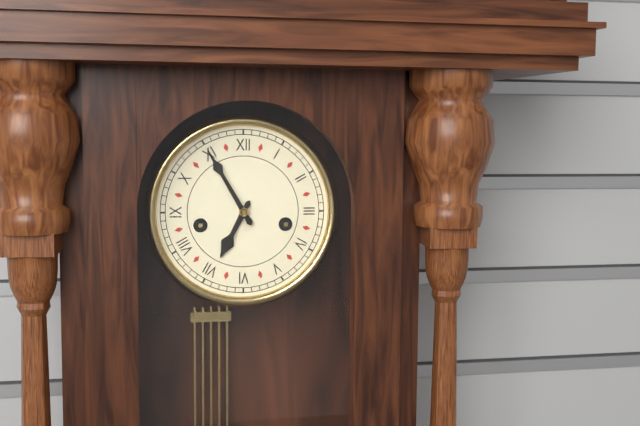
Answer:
{"hour": 6, "minute": 55}
